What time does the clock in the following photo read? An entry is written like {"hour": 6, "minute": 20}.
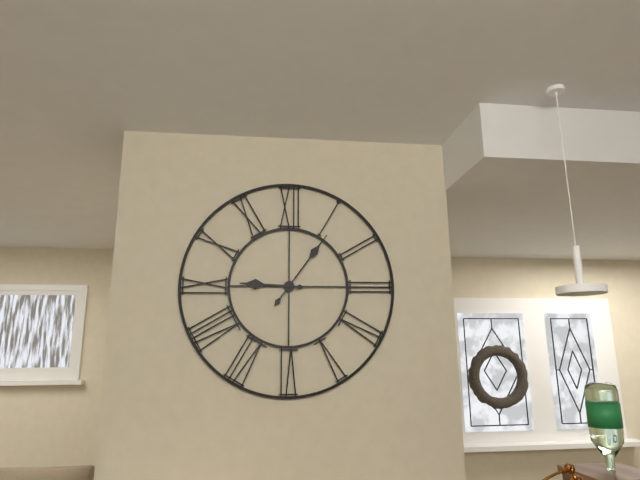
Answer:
{"hour": 9, "minute": 6}
